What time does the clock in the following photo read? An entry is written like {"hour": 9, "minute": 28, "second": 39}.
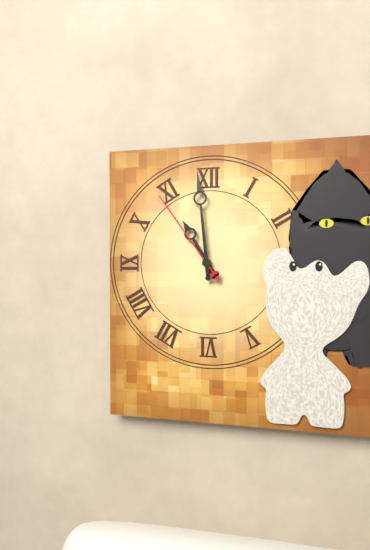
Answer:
{"hour": 10, "minute": 59, "second": 54}
